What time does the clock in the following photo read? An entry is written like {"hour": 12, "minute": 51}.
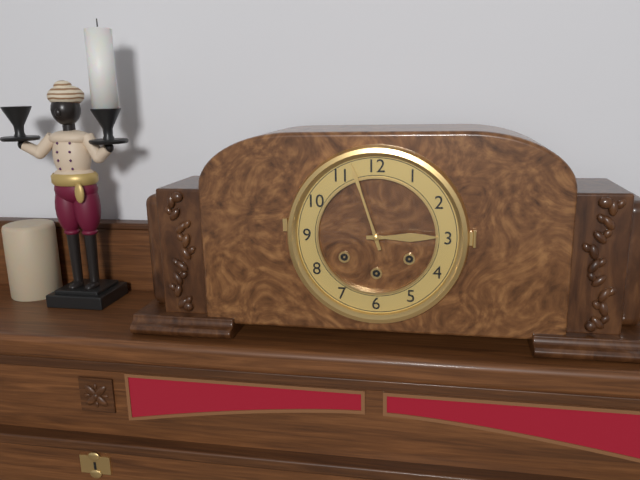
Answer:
{"hour": 2, "minute": 57}
